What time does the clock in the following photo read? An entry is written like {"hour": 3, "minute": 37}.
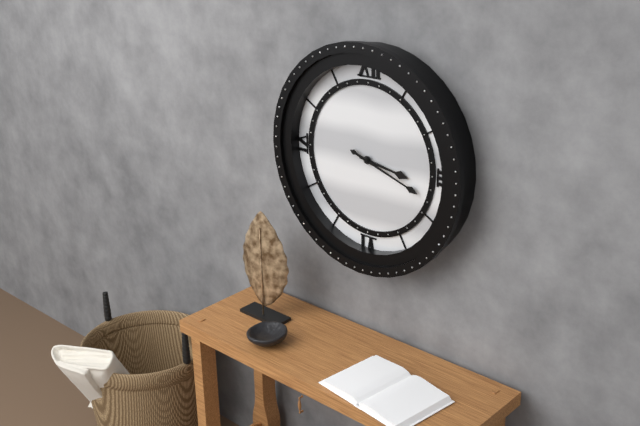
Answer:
{"hour": 3, "minute": 18}
